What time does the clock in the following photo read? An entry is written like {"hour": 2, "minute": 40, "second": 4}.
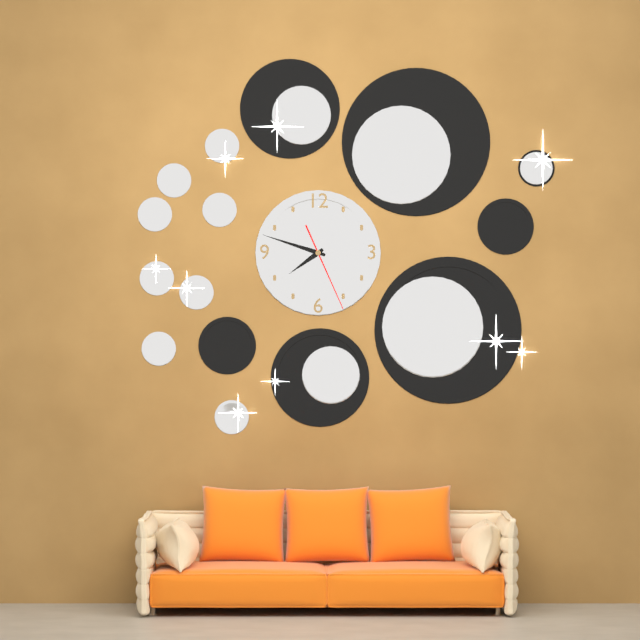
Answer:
{"hour": 7, "minute": 48, "second": 26}
